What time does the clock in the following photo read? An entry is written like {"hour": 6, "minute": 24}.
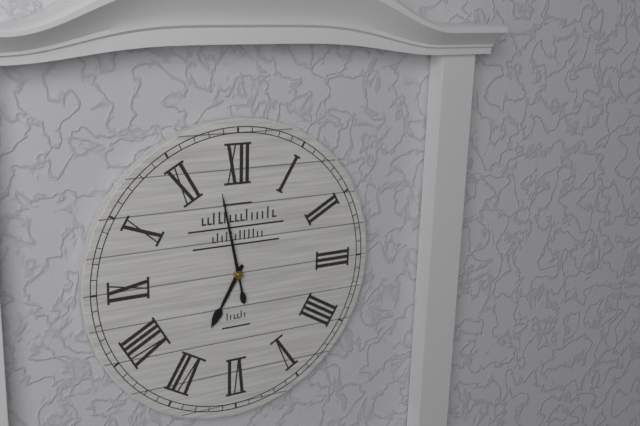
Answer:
{"hour": 6, "minute": 58}
